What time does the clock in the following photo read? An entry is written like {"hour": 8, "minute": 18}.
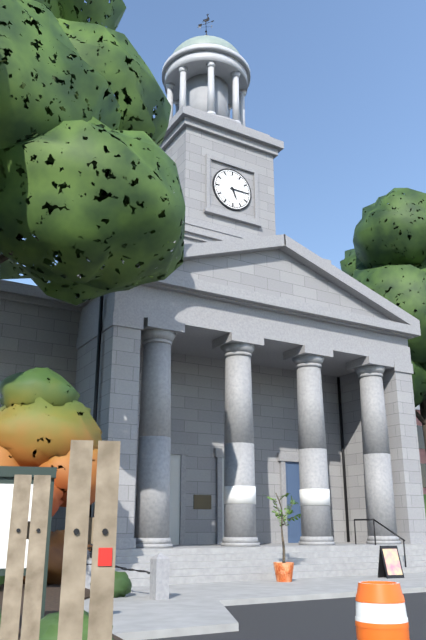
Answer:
{"hour": 5, "minute": 15}
